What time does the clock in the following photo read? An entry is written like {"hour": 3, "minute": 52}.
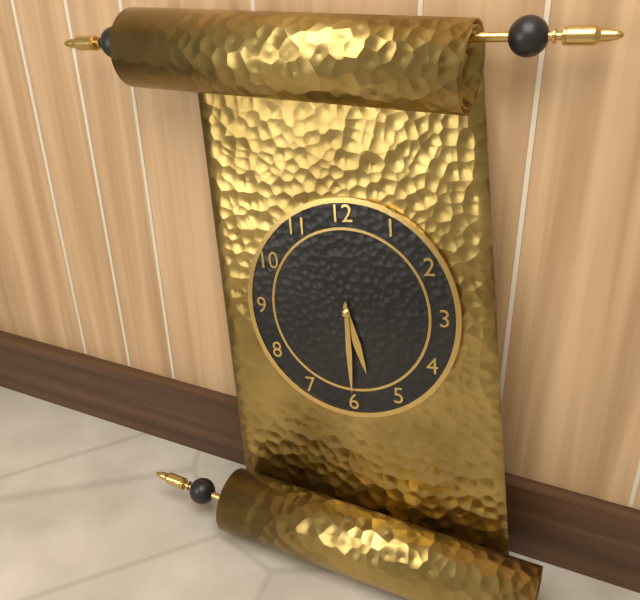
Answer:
{"hour": 5, "minute": 30}
